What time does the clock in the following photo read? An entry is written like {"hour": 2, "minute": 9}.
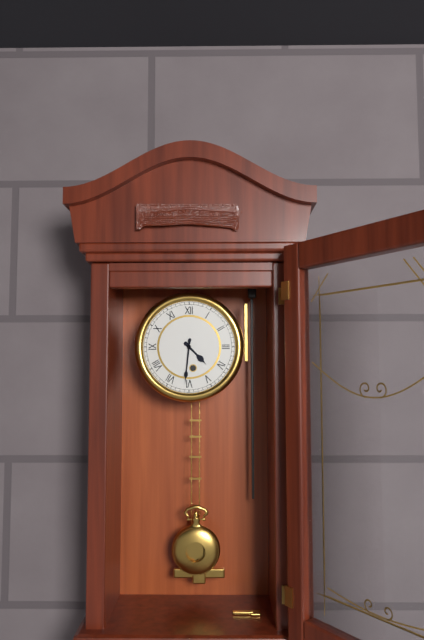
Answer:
{"hour": 4, "minute": 31}
